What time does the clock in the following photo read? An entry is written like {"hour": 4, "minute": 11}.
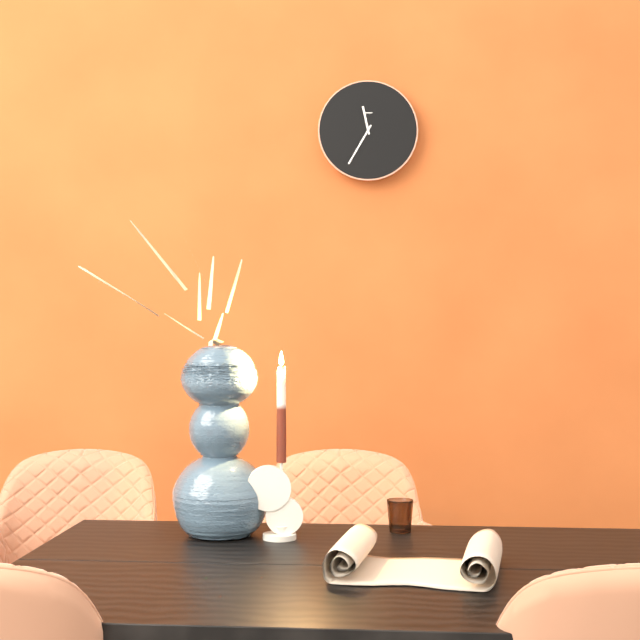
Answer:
{"hour": 11, "minute": 35}
